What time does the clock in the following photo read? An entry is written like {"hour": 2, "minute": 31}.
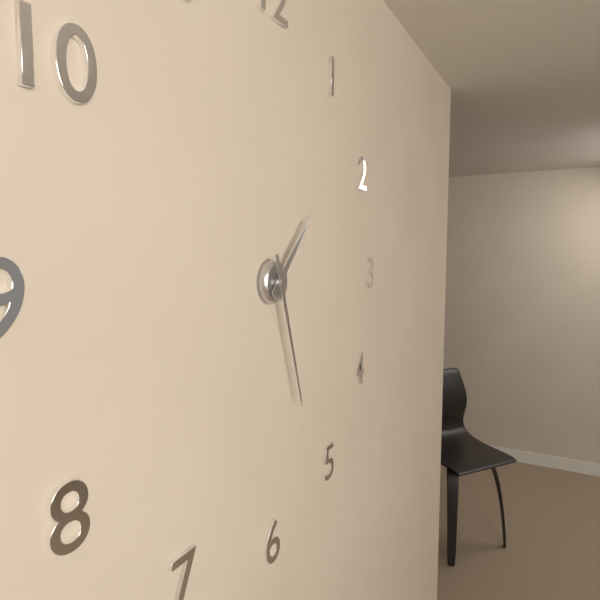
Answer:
{"hour": 1, "minute": 27}
